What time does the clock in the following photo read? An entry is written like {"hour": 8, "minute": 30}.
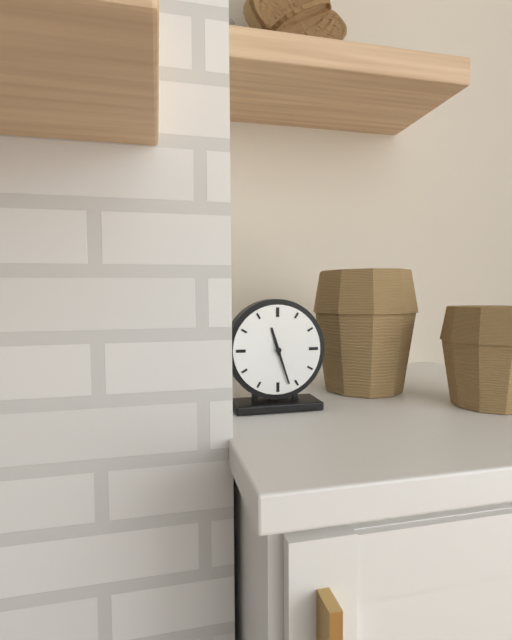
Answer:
{"hour": 11, "minute": 27}
